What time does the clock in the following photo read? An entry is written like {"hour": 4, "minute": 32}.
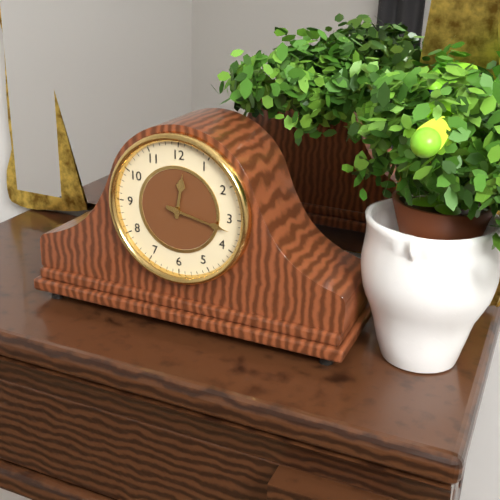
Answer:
{"hour": 12, "minute": 17}
